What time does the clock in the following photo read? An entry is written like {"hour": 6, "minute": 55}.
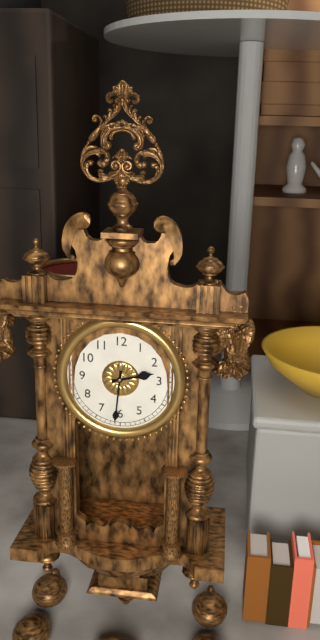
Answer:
{"hour": 2, "minute": 31}
